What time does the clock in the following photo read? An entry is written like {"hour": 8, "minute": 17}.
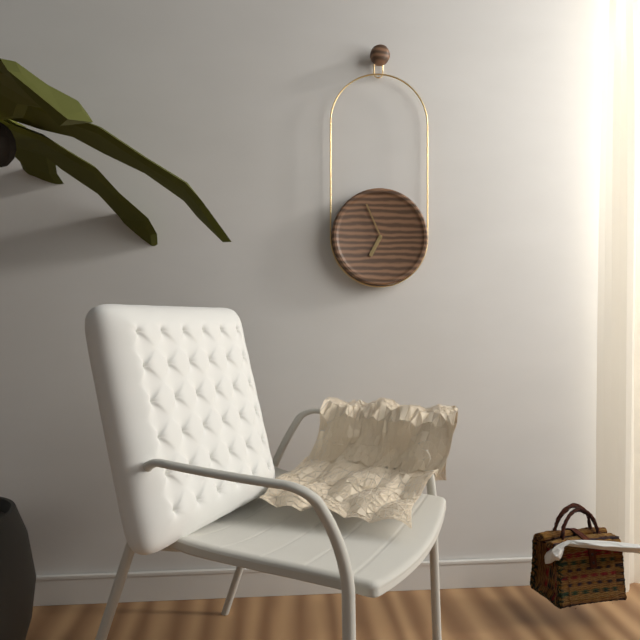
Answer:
{"hour": 6, "minute": 56}
